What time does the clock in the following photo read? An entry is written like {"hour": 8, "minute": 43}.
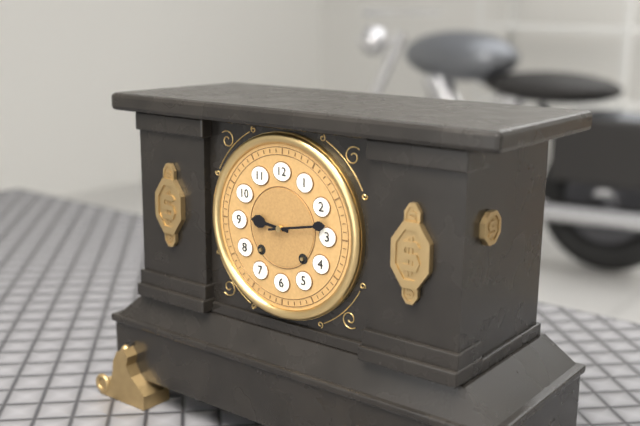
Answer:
{"hour": 9, "minute": 13}
